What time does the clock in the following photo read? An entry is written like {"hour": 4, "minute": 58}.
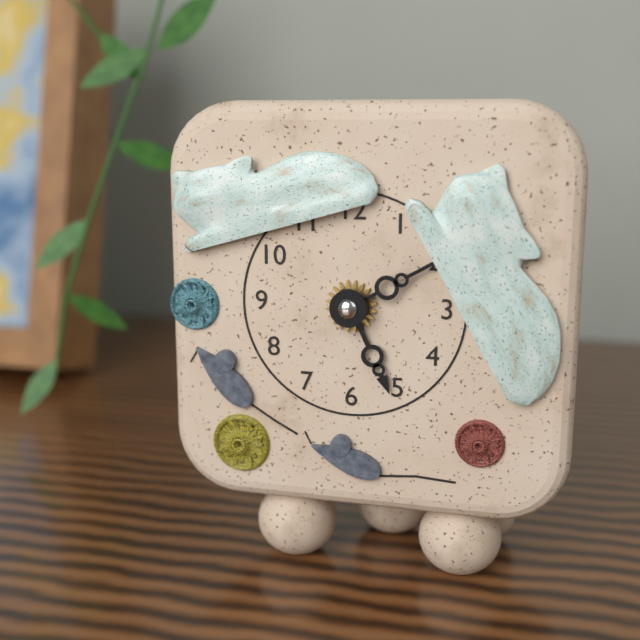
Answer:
{"hour": 5, "minute": 10}
